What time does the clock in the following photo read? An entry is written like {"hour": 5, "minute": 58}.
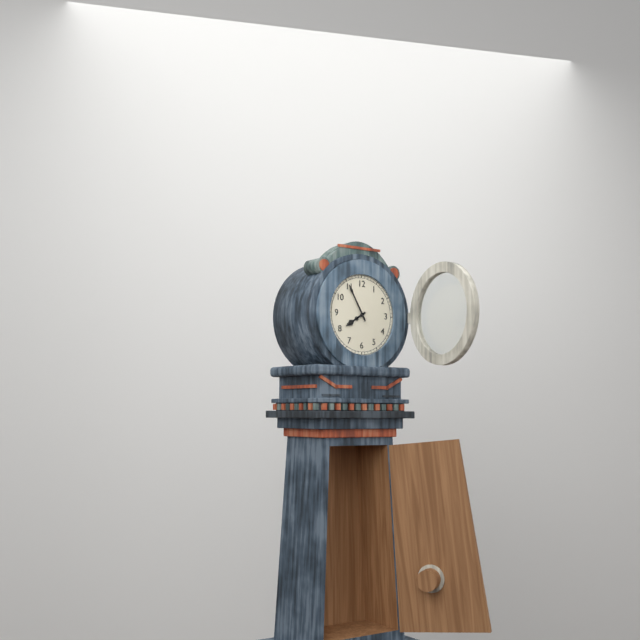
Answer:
{"hour": 7, "minute": 55}
